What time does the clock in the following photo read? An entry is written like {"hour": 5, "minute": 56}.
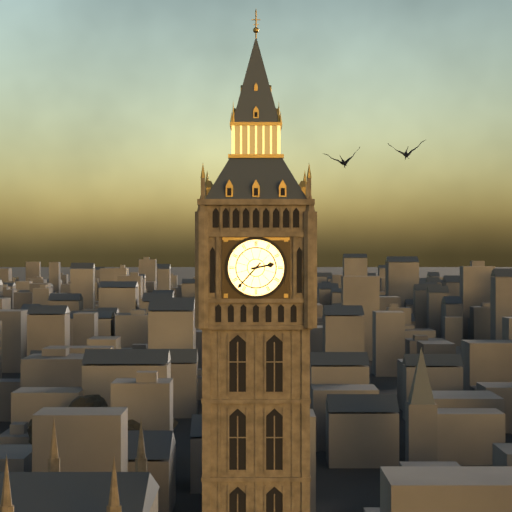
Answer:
{"hour": 2, "minute": 37}
